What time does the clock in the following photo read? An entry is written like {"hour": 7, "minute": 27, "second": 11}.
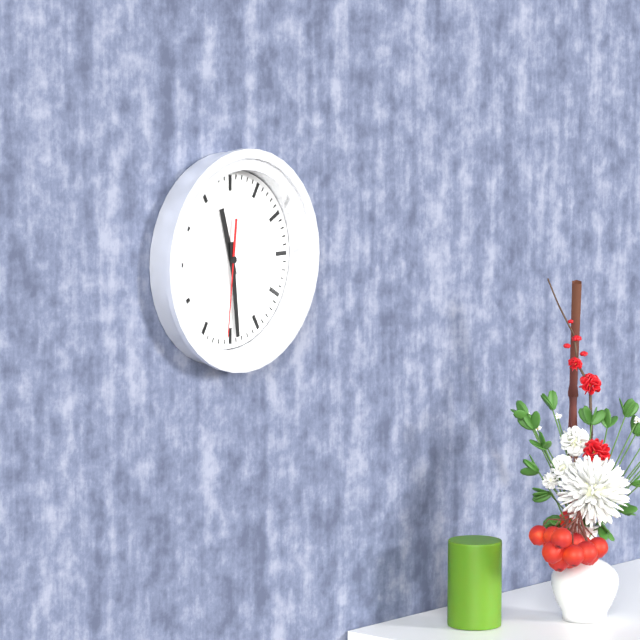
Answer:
{"hour": 11, "minute": 29, "second": 31}
